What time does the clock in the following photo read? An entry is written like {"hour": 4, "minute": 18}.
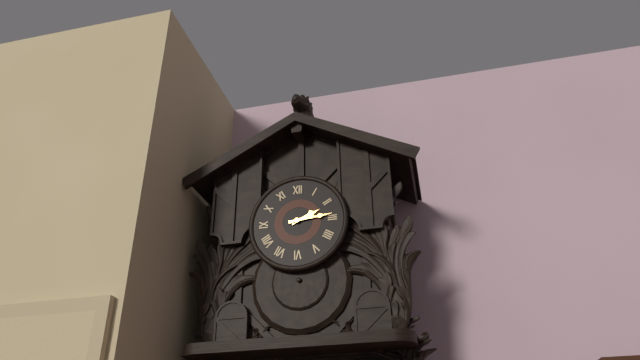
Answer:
{"hour": 2, "minute": 14}
